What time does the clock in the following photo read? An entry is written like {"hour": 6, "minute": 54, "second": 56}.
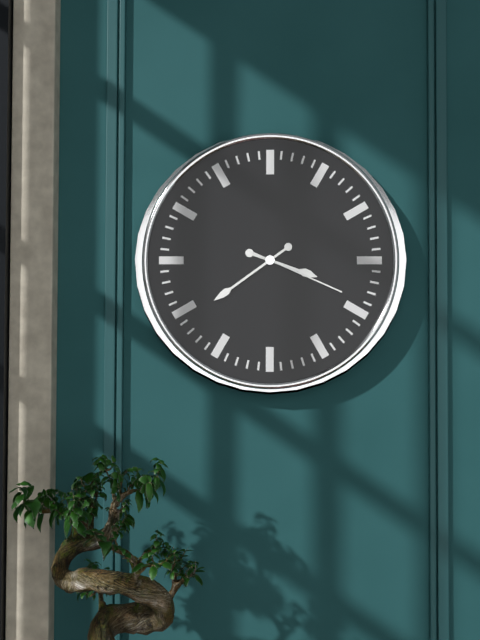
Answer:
{"hour": 3, "minute": 39, "second": 19}
